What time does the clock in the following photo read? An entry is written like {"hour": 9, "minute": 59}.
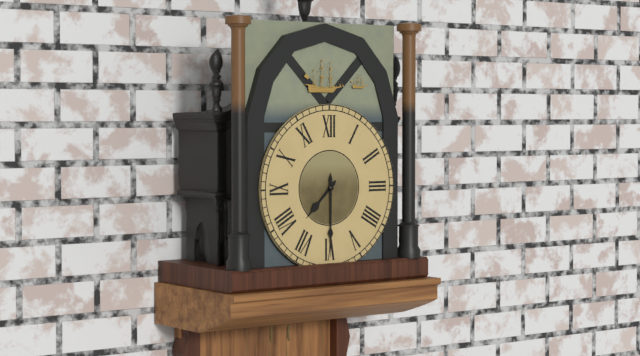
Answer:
{"hour": 7, "minute": 30}
